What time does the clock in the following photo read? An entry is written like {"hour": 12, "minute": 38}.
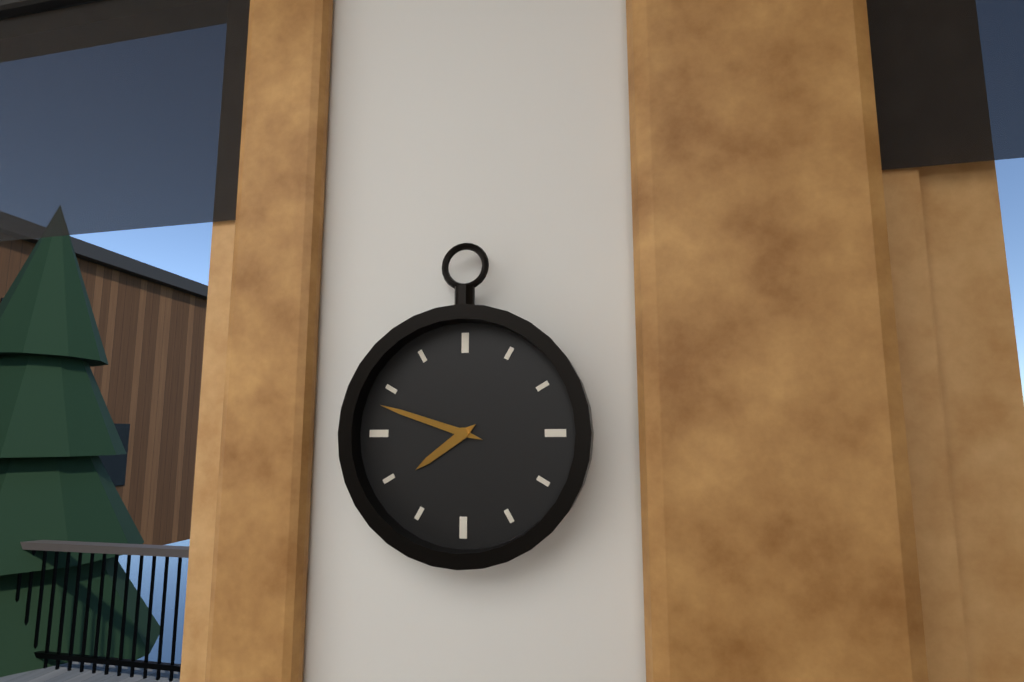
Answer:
{"hour": 7, "minute": 48}
